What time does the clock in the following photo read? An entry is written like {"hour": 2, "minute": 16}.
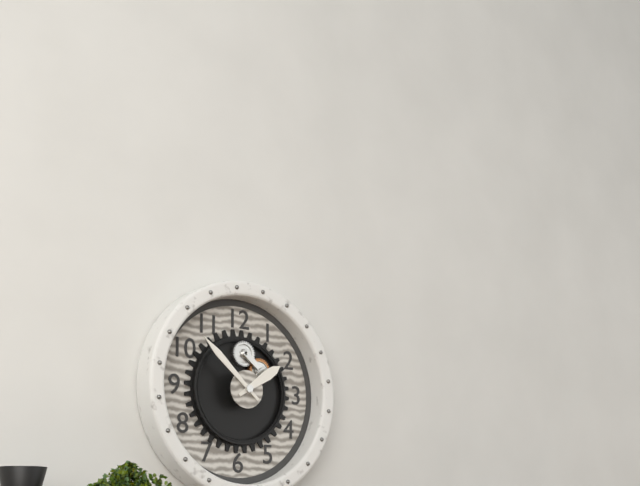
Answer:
{"hour": 1, "minute": 52}
